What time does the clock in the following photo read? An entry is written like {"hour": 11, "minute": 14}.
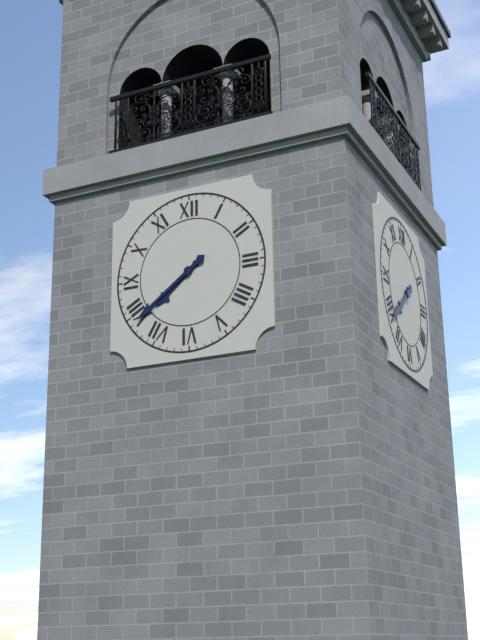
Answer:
{"hour": 7, "minute": 39}
